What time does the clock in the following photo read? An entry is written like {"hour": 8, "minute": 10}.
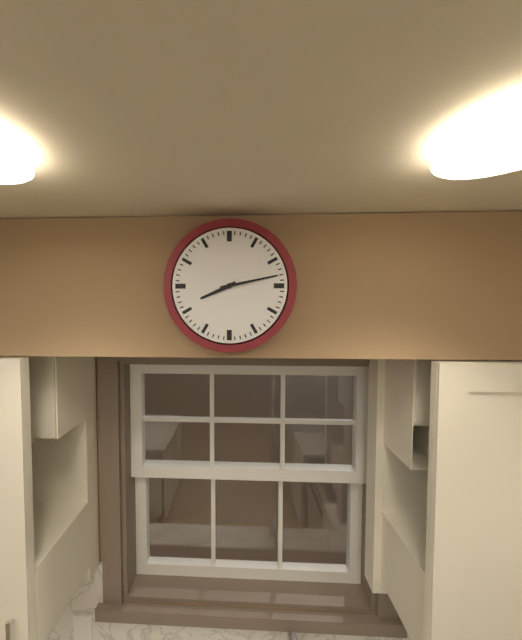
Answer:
{"hour": 8, "minute": 13}
